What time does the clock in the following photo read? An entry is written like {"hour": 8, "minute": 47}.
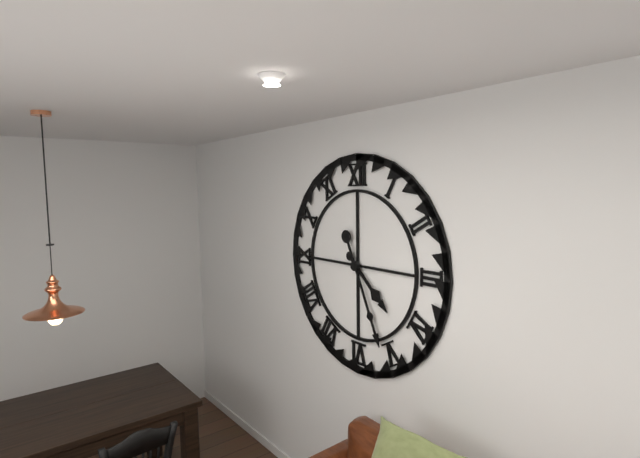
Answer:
{"hour": 4, "minute": 26}
